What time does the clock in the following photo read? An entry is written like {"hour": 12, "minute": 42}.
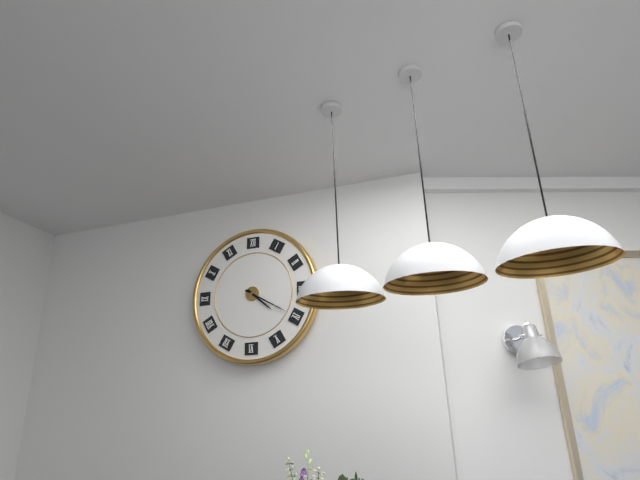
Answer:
{"hour": 4, "minute": 20}
